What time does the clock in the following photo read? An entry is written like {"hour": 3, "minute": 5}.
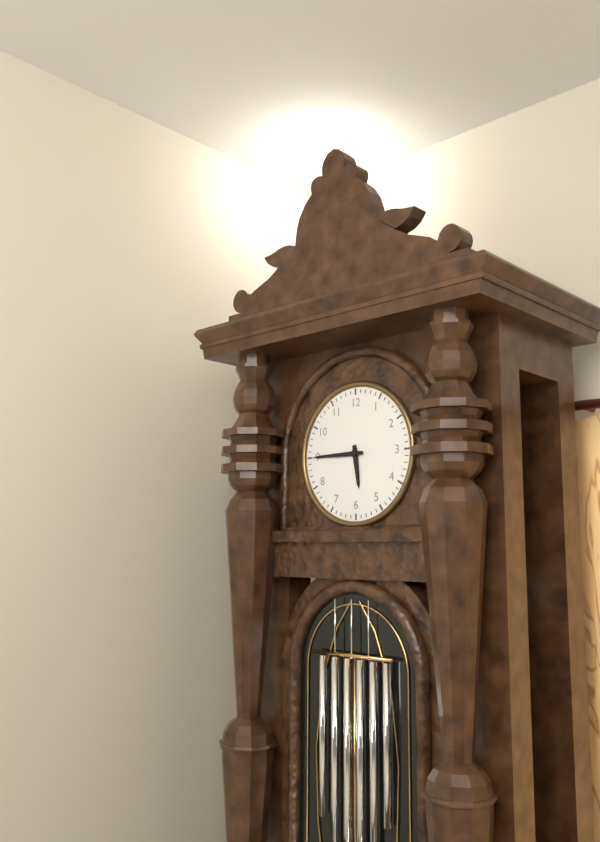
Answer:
{"hour": 5, "minute": 45}
